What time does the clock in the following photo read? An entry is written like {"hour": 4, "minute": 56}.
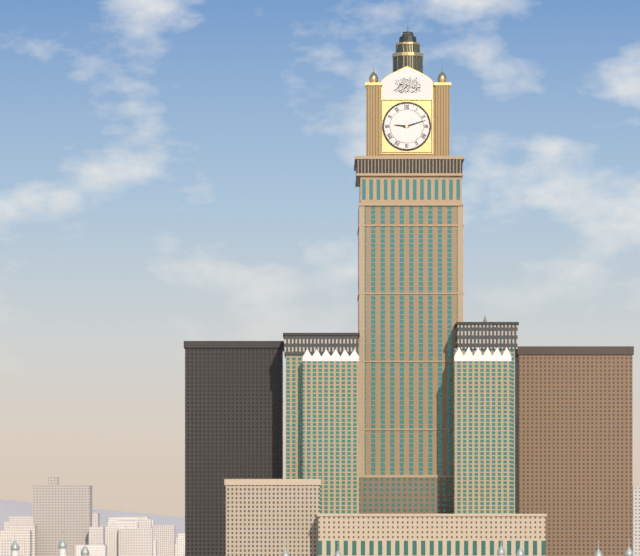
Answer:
{"hour": 9, "minute": 12}
